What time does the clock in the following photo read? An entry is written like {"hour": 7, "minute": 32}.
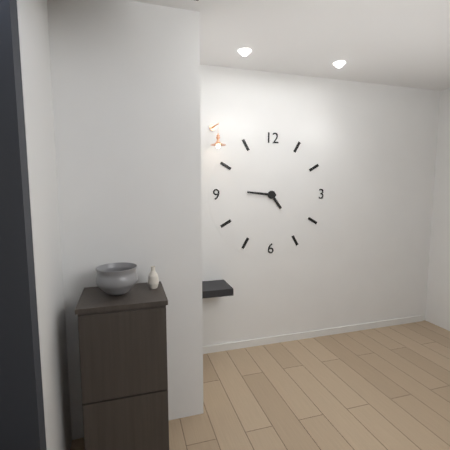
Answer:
{"hour": 4, "minute": 46}
